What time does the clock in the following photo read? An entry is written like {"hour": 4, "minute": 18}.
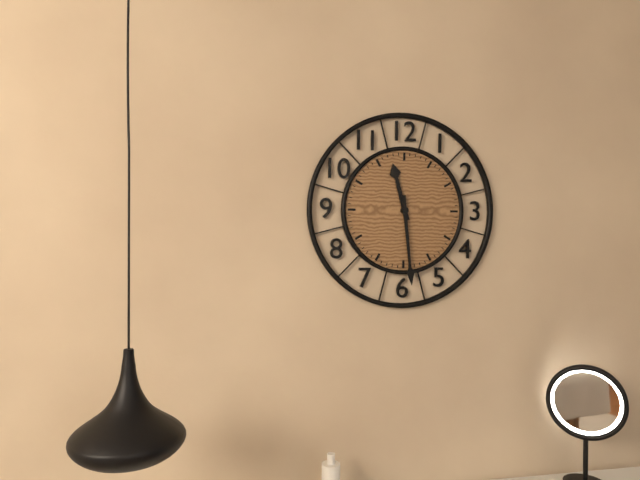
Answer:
{"hour": 11, "minute": 29}
